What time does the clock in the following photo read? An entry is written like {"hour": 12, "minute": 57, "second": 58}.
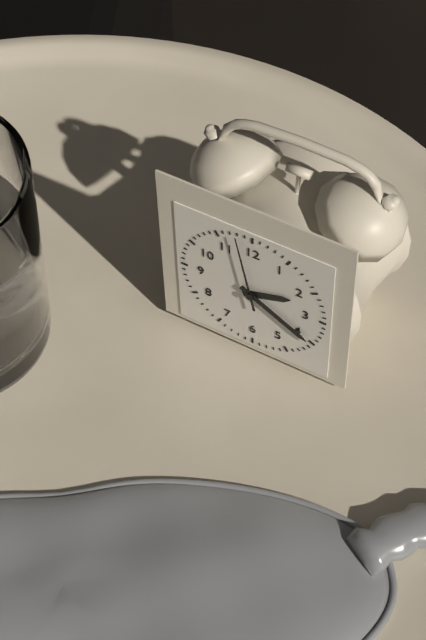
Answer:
{"hour": 2, "minute": 20, "second": 58}
